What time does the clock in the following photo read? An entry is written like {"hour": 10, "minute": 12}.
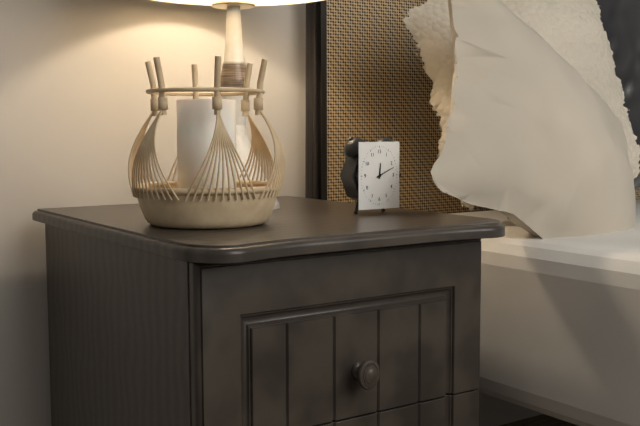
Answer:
{"hour": 12, "minute": 11}
